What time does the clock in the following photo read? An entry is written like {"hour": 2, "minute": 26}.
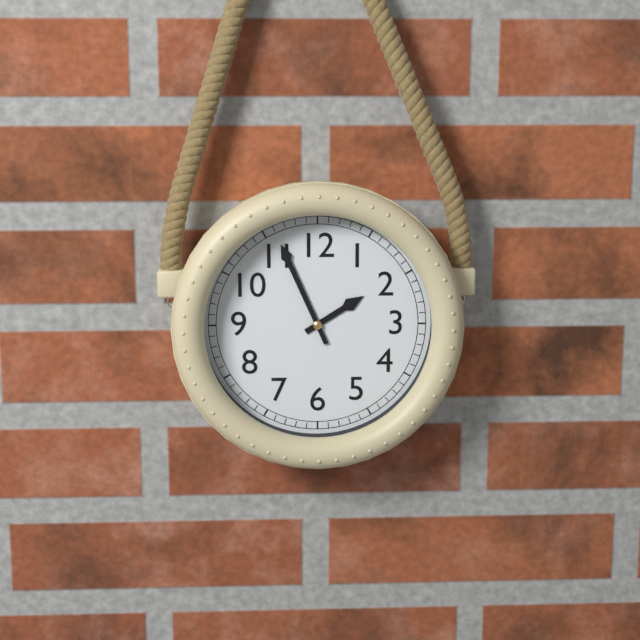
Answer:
{"hour": 1, "minute": 56}
